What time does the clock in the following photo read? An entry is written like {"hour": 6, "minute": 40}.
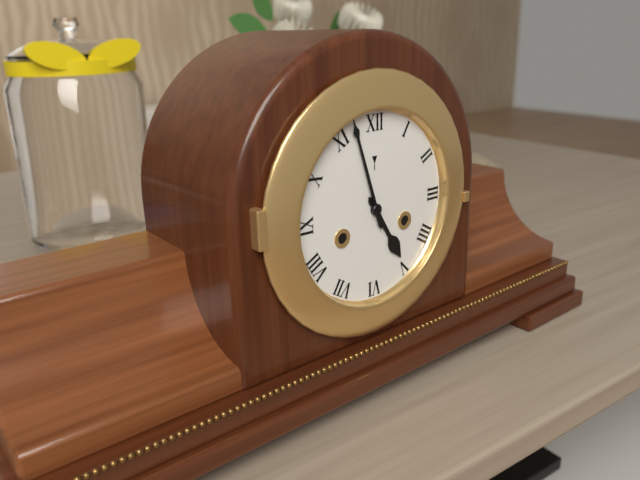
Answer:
{"hour": 4, "minute": 57}
